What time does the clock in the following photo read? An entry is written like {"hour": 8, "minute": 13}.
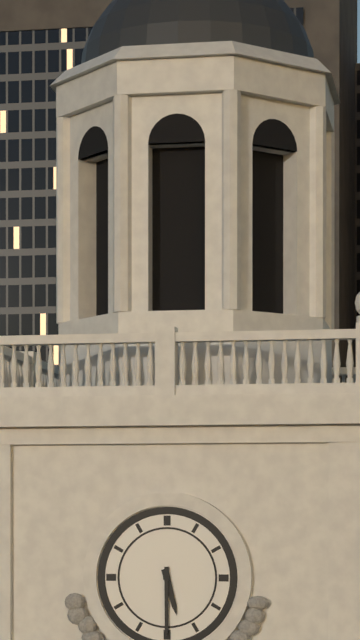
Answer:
{"hour": 5, "minute": 30}
